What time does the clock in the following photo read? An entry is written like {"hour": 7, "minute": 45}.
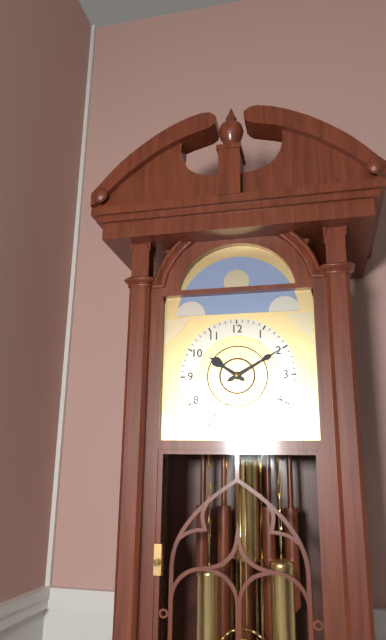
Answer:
{"hour": 10, "minute": 10}
